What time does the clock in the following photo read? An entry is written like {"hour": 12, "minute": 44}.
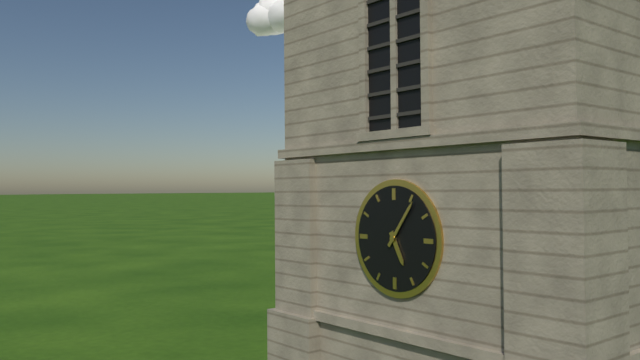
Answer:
{"hour": 5, "minute": 6}
